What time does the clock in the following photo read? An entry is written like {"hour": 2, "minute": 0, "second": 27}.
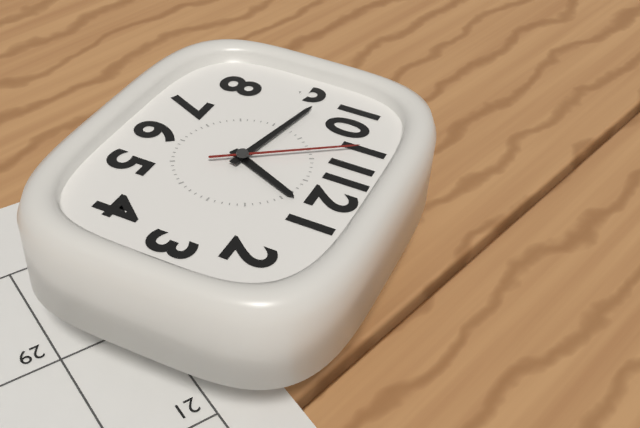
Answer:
{"hour": 12, "minute": 47, "second": 54}
